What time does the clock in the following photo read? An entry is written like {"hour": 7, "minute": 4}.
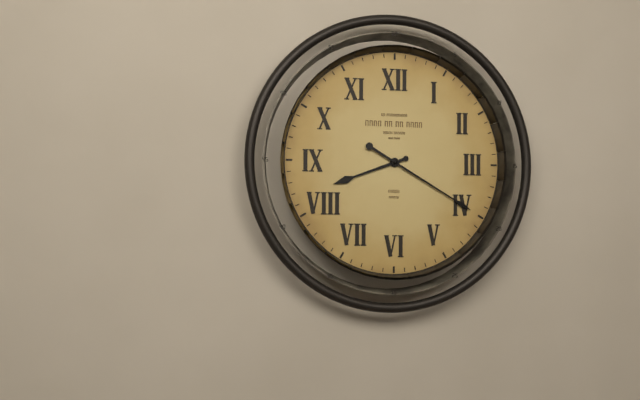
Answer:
{"hour": 8, "minute": 20}
